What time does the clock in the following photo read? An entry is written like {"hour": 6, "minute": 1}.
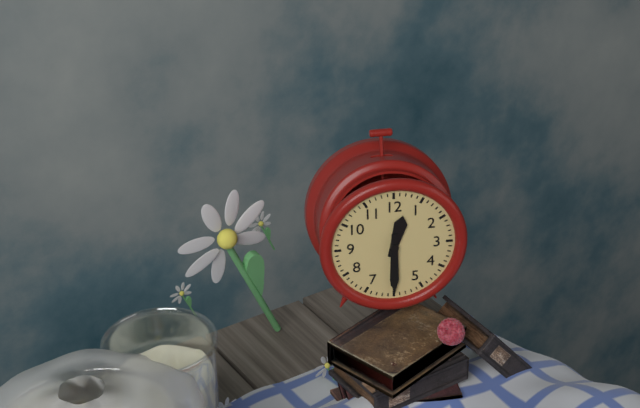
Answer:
{"hour": 12, "minute": 30}
